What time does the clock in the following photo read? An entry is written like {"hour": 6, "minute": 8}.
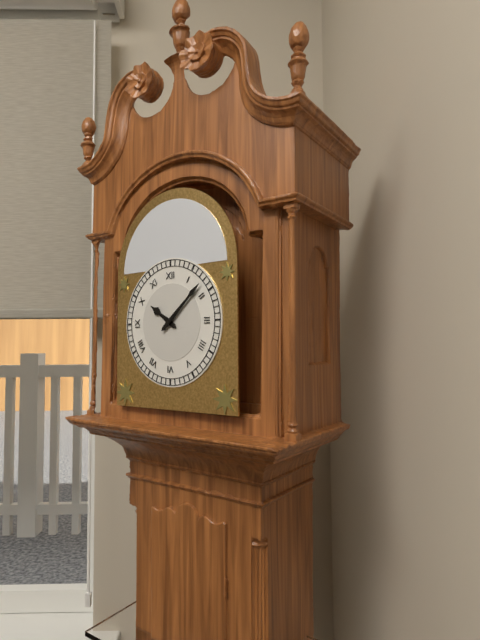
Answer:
{"hour": 10, "minute": 8}
